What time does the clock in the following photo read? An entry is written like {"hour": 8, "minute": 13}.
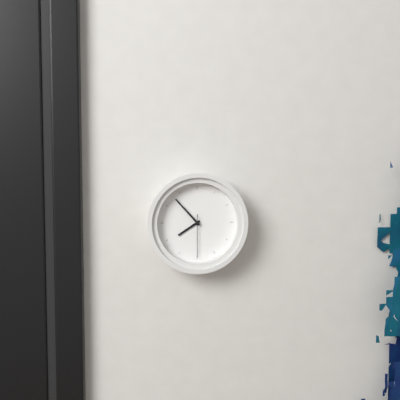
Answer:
{"hour": 7, "minute": 53}
